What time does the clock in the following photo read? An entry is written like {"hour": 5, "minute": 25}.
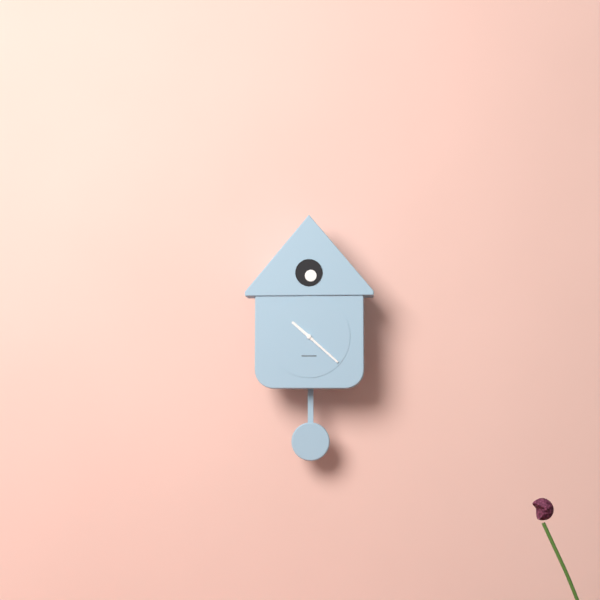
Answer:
{"hour": 10, "minute": 22}
